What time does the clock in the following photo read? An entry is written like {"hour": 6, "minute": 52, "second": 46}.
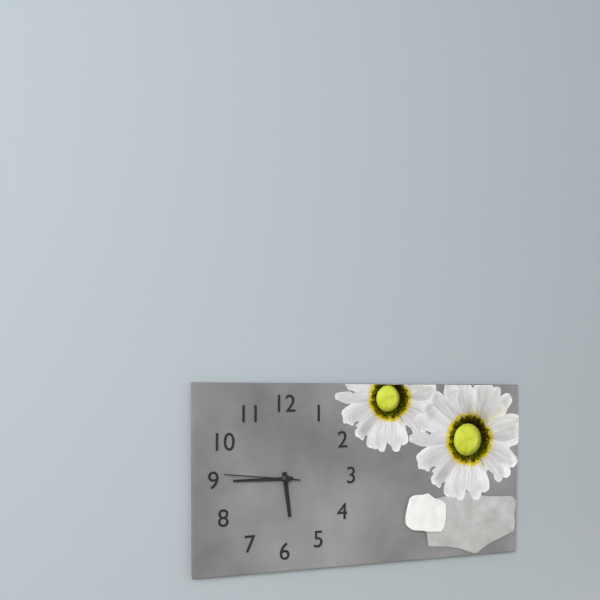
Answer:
{"hour": 5, "minute": 45, "second": 46}
